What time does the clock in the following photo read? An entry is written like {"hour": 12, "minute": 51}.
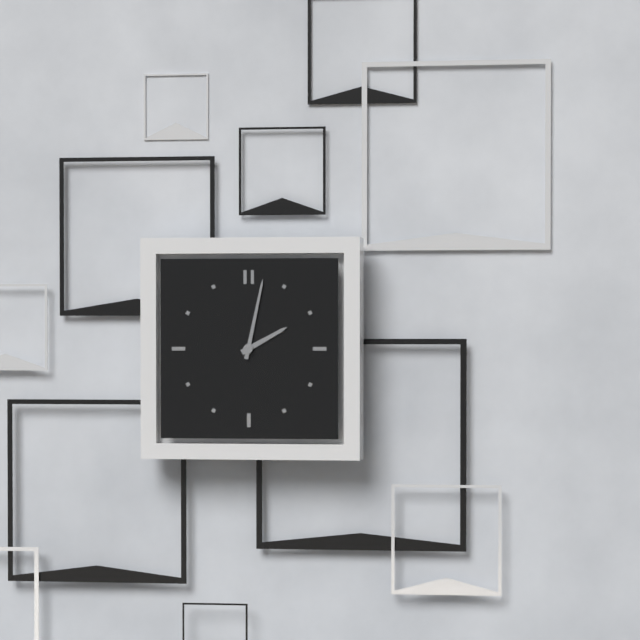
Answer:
{"hour": 2, "minute": 2}
